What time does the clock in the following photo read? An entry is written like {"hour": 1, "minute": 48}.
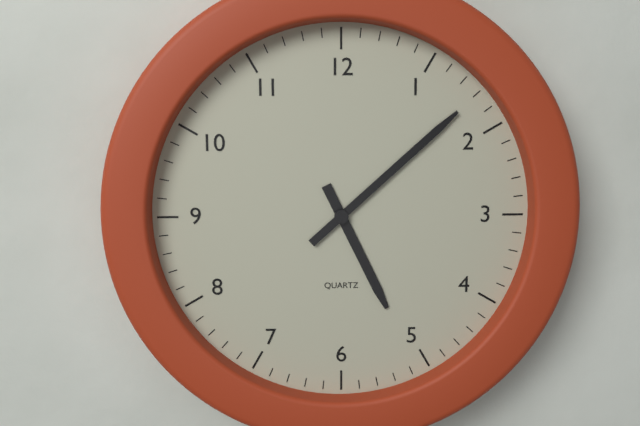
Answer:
{"hour": 5, "minute": 8}
